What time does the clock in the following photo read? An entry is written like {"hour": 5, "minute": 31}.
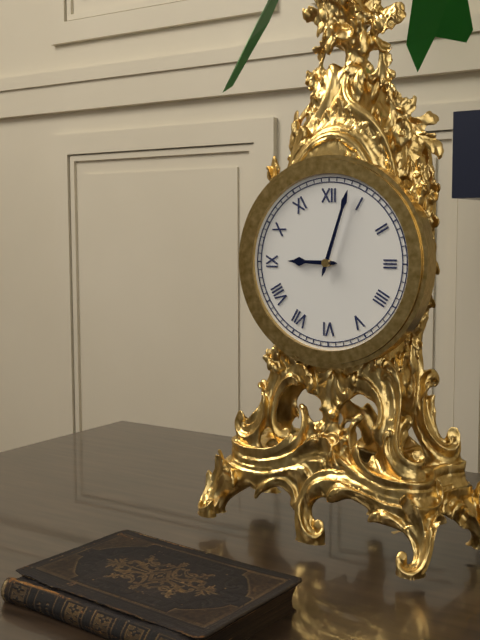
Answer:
{"hour": 9, "minute": 3}
